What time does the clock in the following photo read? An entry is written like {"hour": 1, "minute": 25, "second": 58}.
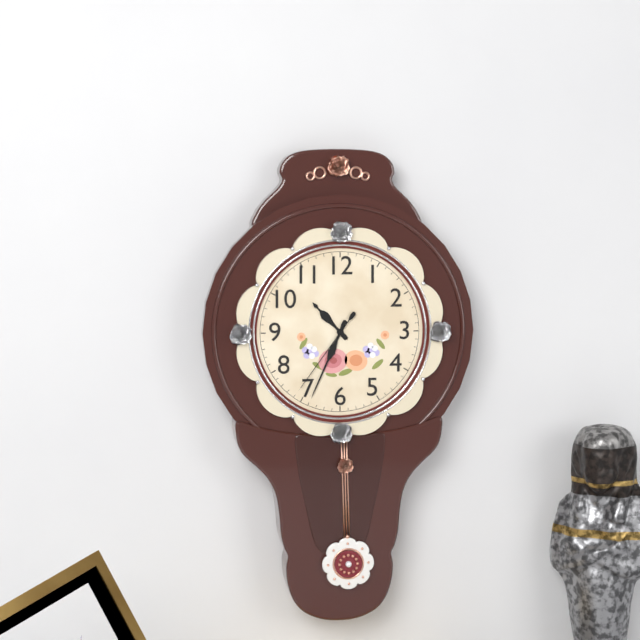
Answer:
{"hour": 10, "minute": 34, "second": 36}
